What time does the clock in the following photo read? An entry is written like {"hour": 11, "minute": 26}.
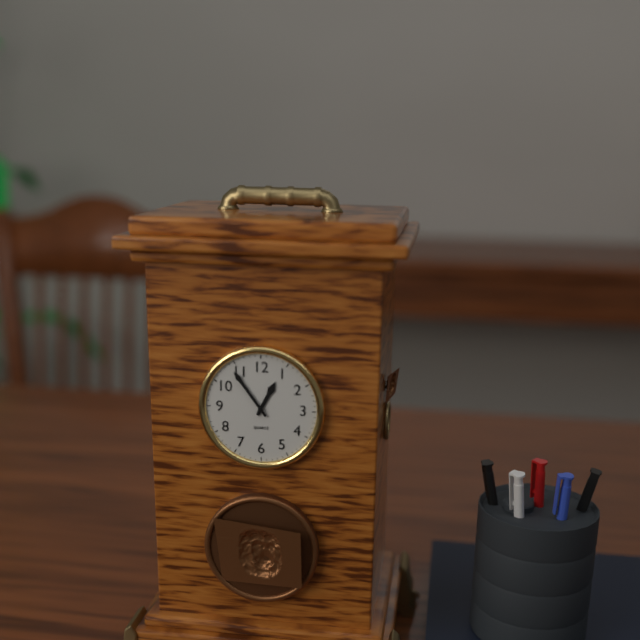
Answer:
{"hour": 12, "minute": 54}
